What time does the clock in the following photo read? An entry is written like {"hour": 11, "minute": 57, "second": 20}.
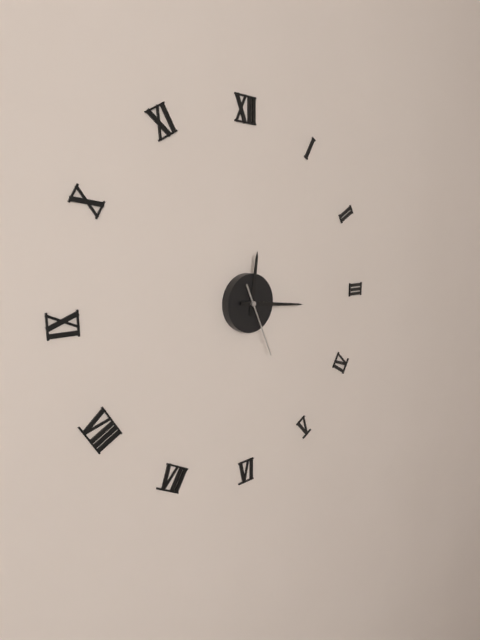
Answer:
{"hour": 12, "minute": 16, "second": 26}
